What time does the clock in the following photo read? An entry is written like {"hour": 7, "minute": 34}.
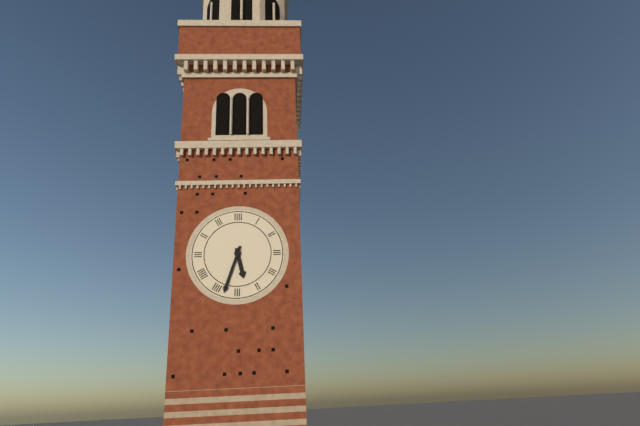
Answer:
{"hour": 5, "minute": 33}
